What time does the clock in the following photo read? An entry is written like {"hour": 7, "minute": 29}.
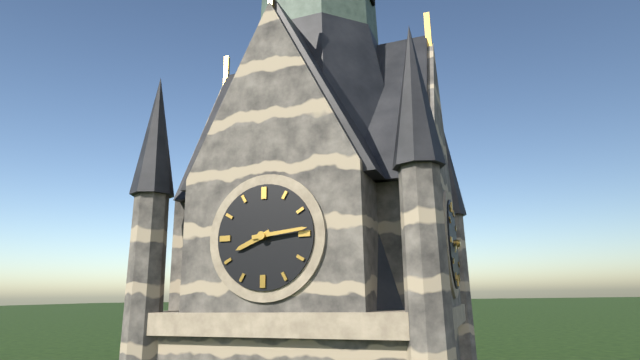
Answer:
{"hour": 8, "minute": 14}
